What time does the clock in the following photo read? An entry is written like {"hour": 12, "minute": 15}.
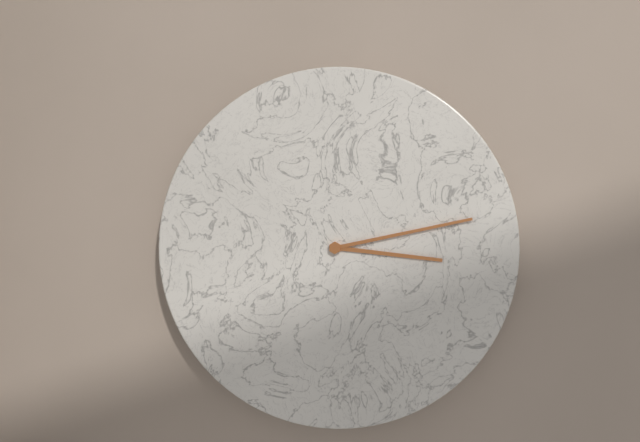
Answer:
{"hour": 3, "minute": 13}
